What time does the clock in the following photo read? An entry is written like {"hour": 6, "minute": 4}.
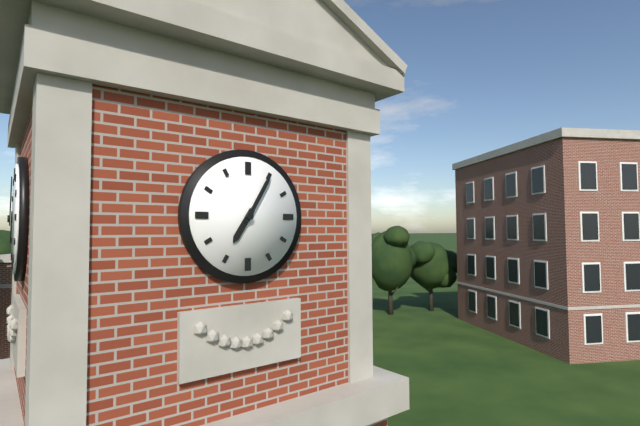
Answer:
{"hour": 7, "minute": 5}
